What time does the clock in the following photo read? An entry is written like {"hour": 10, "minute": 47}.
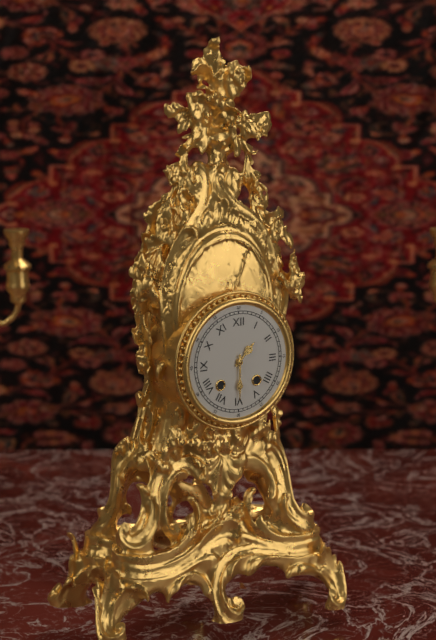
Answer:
{"hour": 1, "minute": 30}
